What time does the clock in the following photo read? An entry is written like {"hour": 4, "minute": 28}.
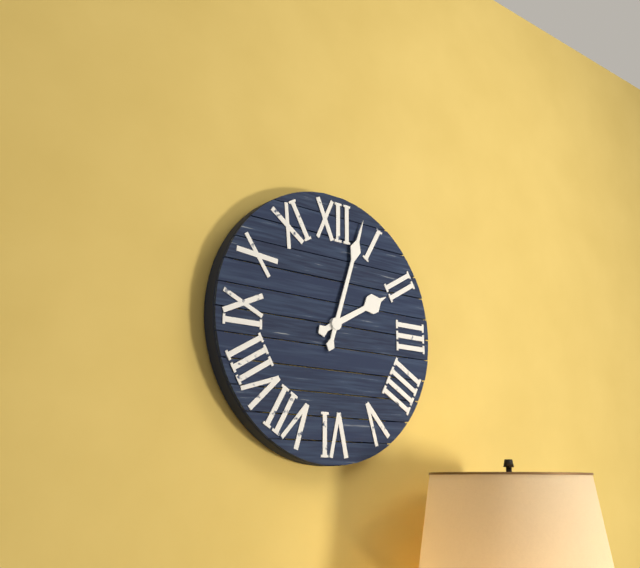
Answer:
{"hour": 2, "minute": 3}
